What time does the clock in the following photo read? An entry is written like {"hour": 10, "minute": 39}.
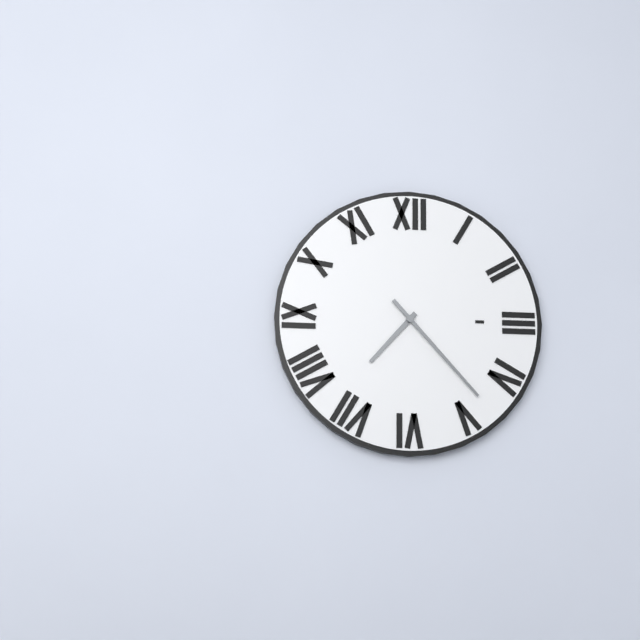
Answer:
{"hour": 7, "minute": 23}
